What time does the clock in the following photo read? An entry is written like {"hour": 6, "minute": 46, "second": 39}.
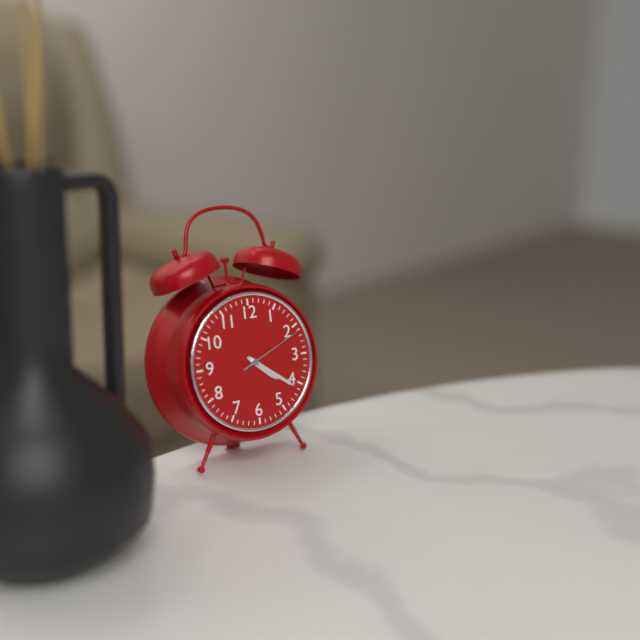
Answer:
{"hour": 4, "minute": 21, "second": 11}
